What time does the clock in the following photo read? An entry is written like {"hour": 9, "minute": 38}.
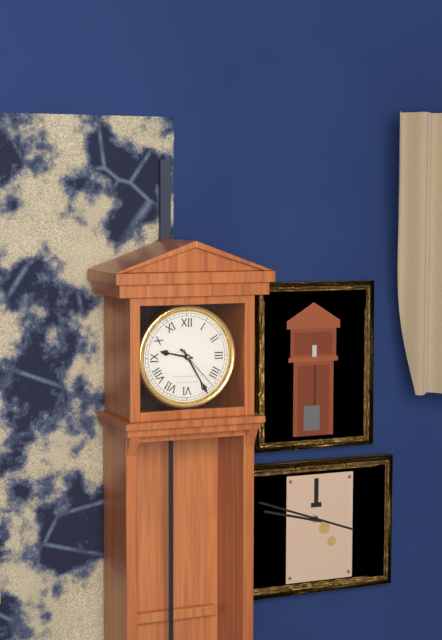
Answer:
{"hour": 9, "minute": 25}
